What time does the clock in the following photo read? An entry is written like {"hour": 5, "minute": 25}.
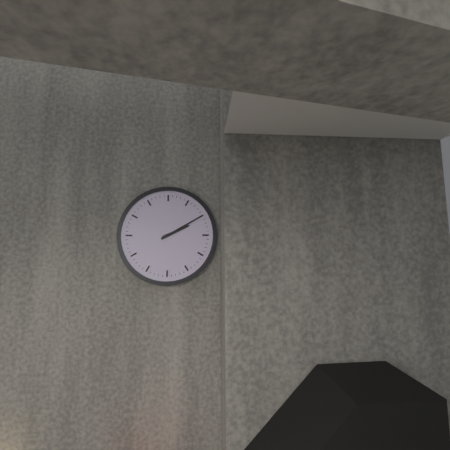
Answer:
{"hour": 2, "minute": 10}
